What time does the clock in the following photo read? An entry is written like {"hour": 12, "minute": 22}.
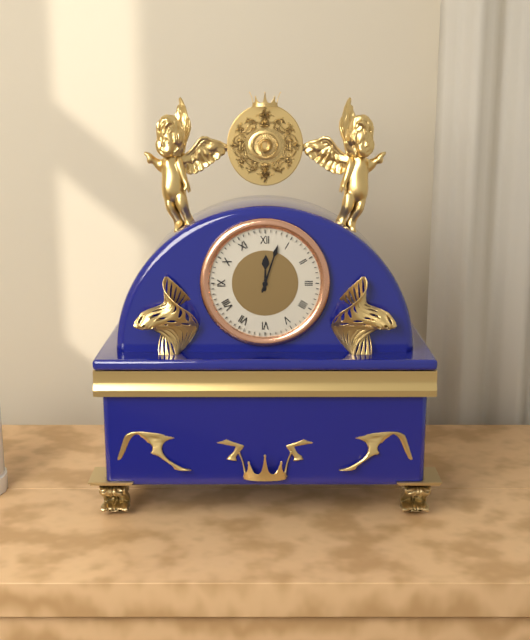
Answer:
{"hour": 12, "minute": 3}
